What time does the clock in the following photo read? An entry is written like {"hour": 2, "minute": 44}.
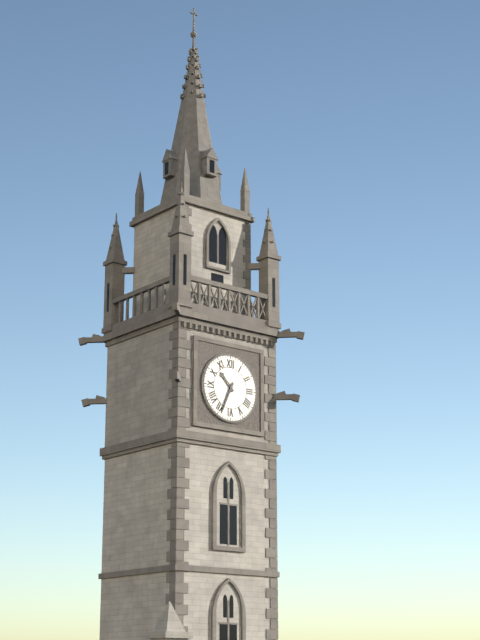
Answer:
{"hour": 10, "minute": 34}
